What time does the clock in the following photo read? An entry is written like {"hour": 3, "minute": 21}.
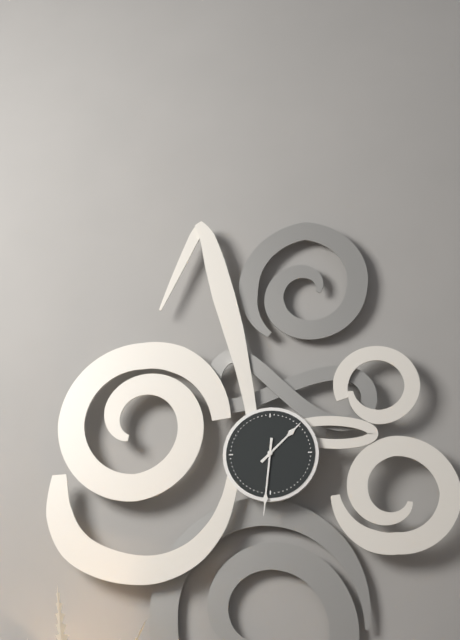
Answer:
{"hour": 1, "minute": 31}
